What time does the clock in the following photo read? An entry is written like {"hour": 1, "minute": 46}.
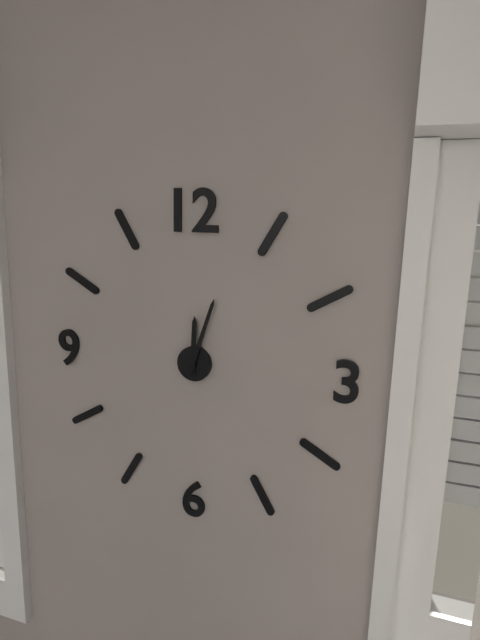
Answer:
{"hour": 12, "minute": 3}
